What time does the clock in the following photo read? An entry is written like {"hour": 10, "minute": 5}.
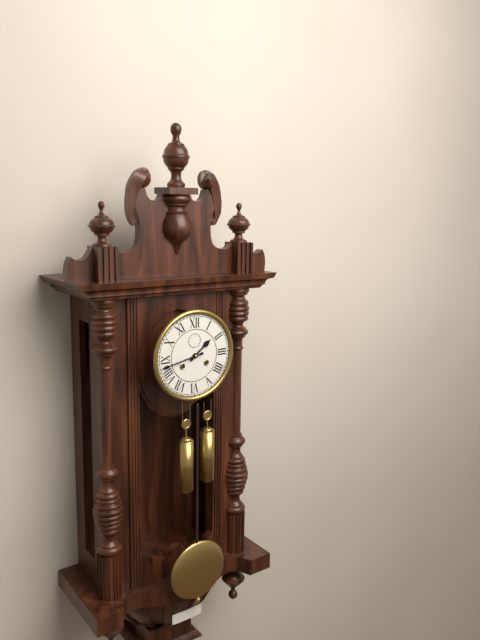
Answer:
{"hour": 1, "minute": 43}
